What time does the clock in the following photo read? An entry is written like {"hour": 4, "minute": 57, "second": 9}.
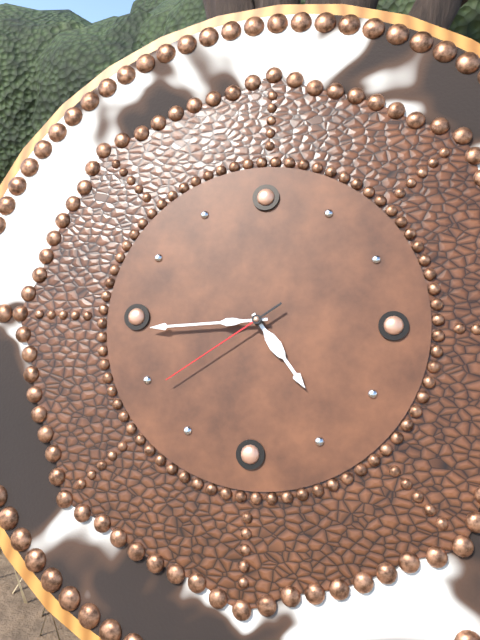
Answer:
{"hour": 4, "minute": 44, "second": 39}
